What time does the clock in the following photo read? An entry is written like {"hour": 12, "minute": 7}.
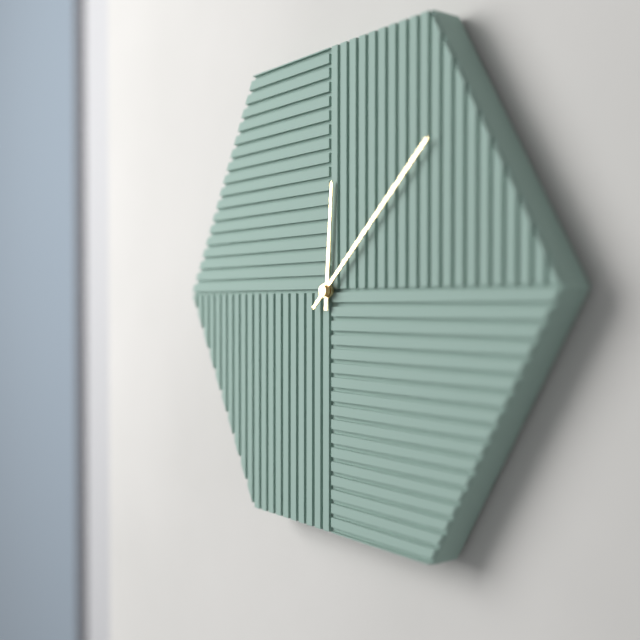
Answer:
{"hour": 12, "minute": 8}
